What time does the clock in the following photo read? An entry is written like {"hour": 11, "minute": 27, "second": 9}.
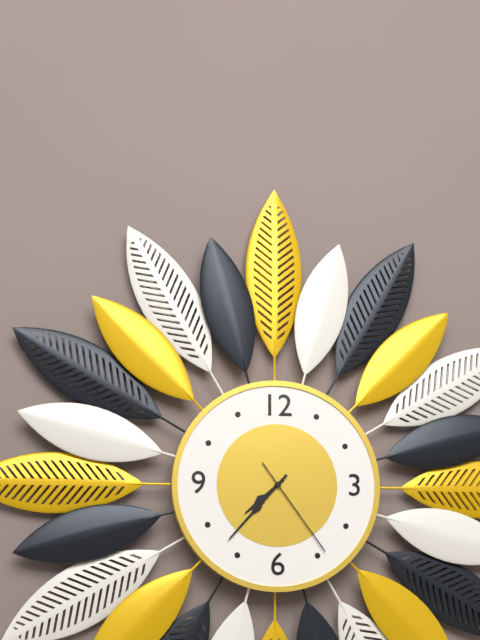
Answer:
{"hour": 7, "minute": 37, "second": 24}
